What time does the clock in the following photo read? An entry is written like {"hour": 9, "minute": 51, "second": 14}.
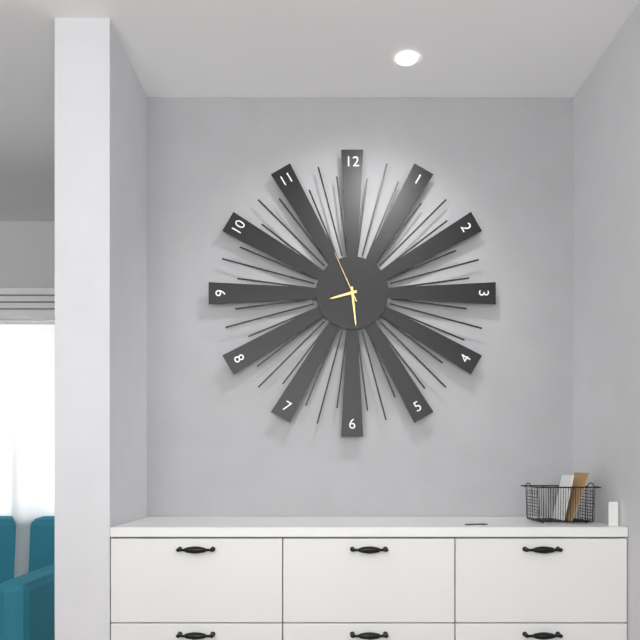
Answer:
{"hour": 8, "minute": 29, "second": 56}
